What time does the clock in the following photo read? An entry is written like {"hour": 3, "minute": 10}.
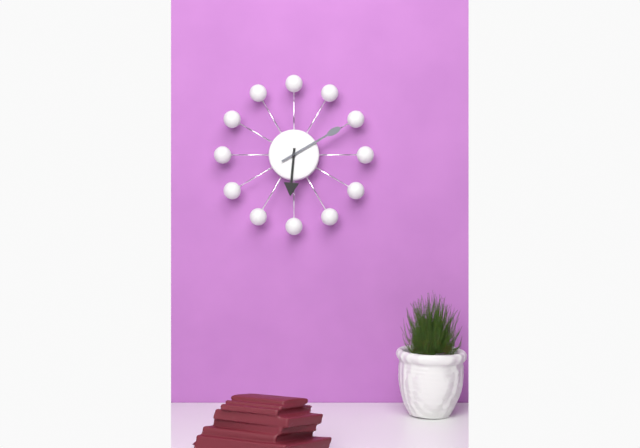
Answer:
{"hour": 6, "minute": 10}
